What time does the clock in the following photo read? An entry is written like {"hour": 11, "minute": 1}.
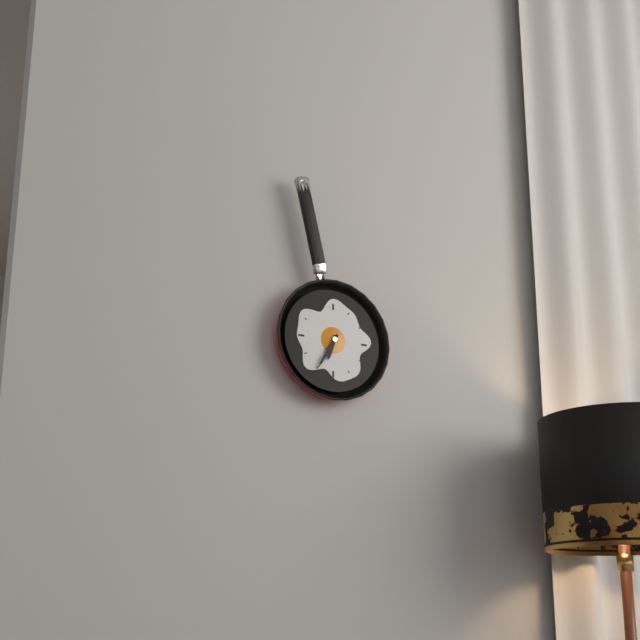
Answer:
{"hour": 6, "minute": 35}
